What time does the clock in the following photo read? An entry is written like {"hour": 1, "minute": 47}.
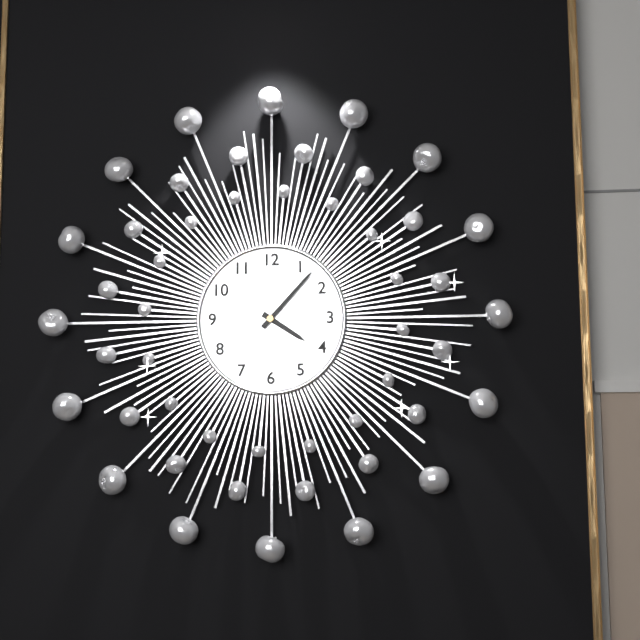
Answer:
{"hour": 4, "minute": 7}
